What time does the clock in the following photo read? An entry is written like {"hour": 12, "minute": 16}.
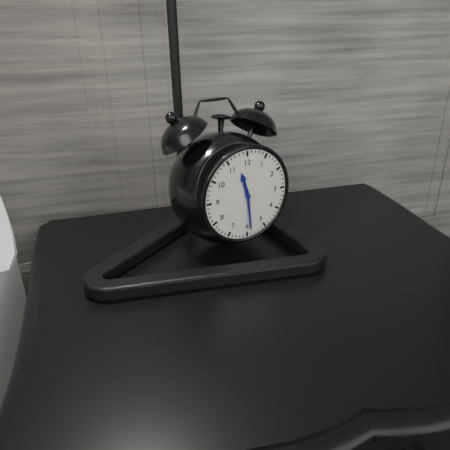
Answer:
{"hour": 11, "minute": 29}
